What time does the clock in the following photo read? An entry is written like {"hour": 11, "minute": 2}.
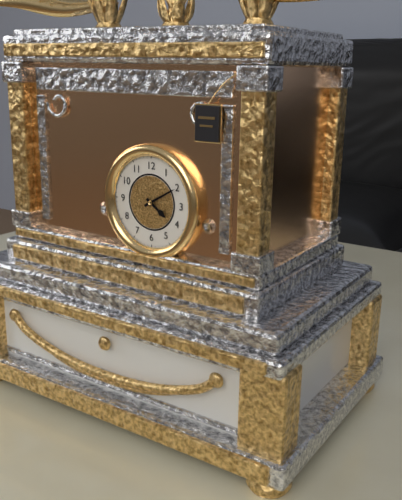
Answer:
{"hour": 4, "minute": 10}
